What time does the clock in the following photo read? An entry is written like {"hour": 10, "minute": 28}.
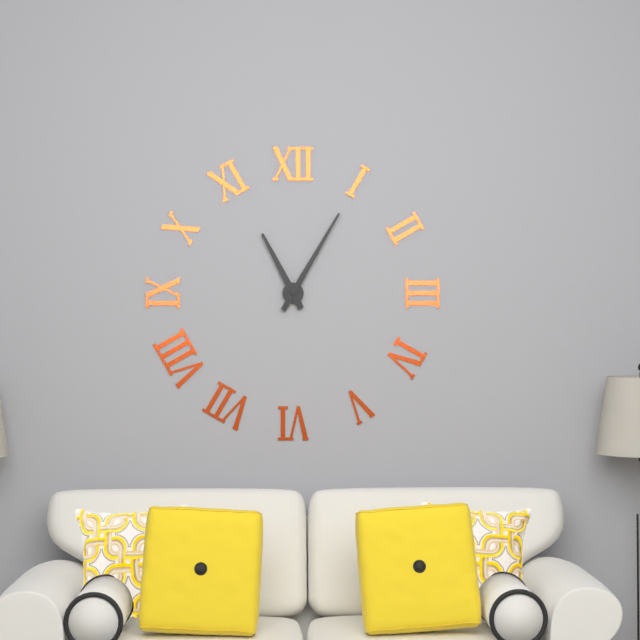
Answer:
{"hour": 11, "minute": 5}
